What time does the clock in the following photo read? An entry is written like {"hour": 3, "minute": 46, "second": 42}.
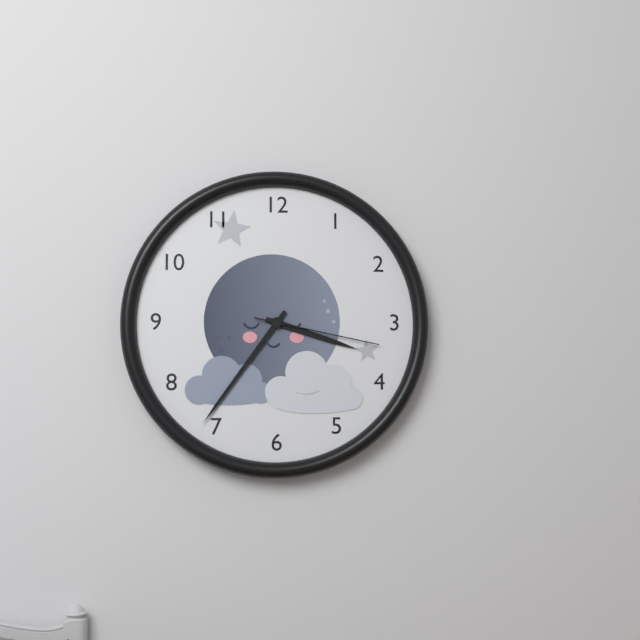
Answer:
{"hour": 3, "minute": 36, "second": 17}
